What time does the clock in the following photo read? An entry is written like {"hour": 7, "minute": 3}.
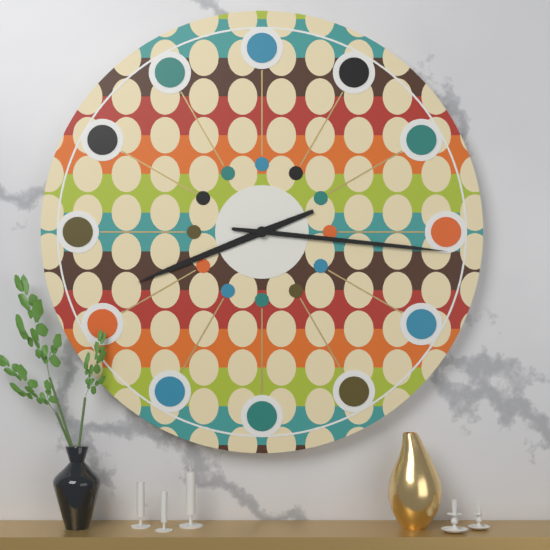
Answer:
{"hour": 8, "minute": 16}
